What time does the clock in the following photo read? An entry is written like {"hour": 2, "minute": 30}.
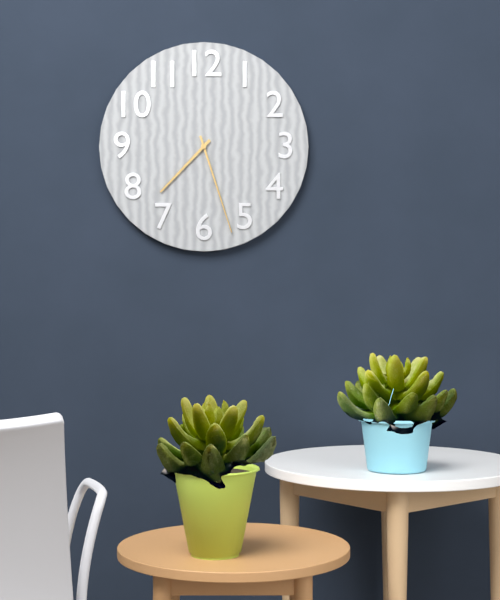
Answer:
{"hour": 7, "minute": 27}
